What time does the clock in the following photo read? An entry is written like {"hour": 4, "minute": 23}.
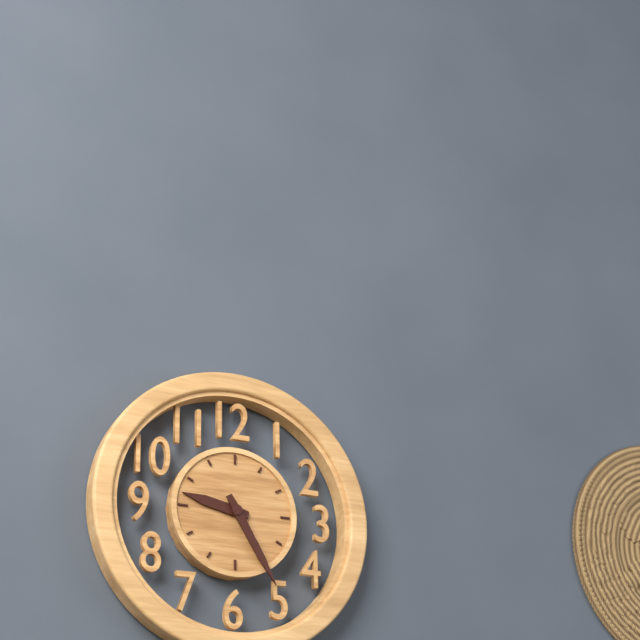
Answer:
{"hour": 9, "minute": 25}
